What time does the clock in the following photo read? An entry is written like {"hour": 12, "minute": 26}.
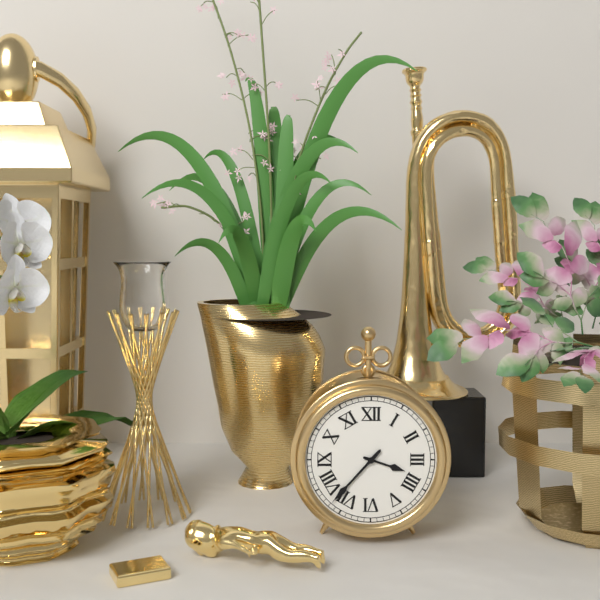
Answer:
{"hour": 3, "minute": 37}
